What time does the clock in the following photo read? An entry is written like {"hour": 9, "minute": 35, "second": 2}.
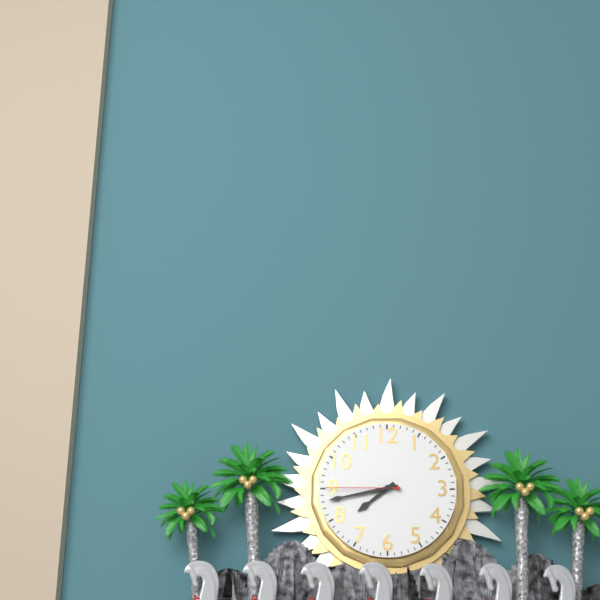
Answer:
{"hour": 7, "minute": 43, "second": 45}
